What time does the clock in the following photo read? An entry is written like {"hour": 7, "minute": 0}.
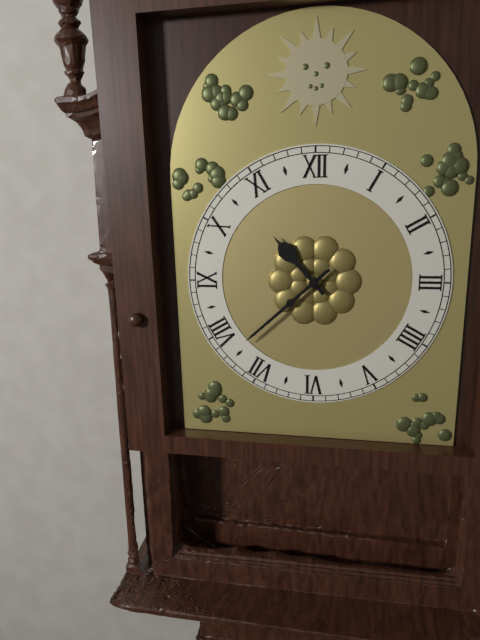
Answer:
{"hour": 10, "minute": 38}
